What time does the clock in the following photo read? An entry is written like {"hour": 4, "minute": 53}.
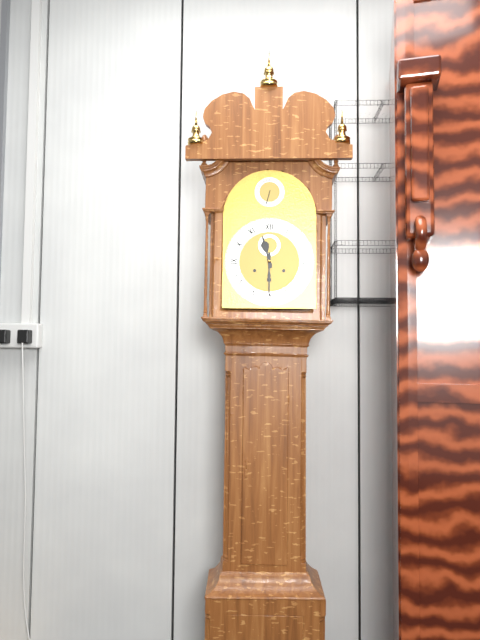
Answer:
{"hour": 11, "minute": 30}
